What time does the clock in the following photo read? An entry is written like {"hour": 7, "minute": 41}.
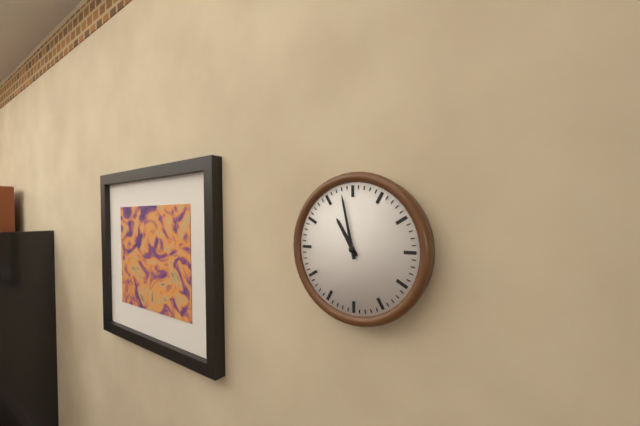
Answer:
{"hour": 10, "minute": 58}
